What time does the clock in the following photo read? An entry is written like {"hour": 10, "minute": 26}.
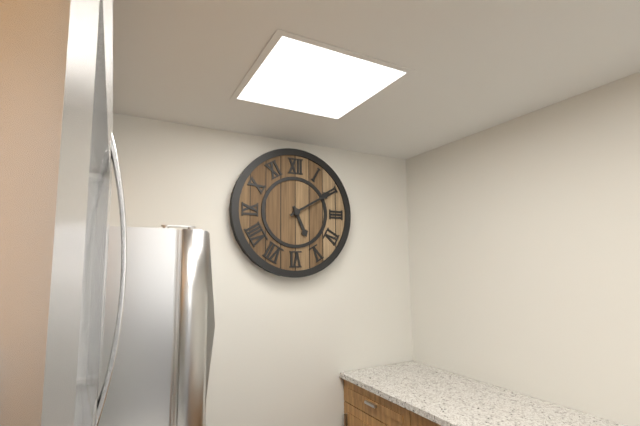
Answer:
{"hour": 5, "minute": 10}
